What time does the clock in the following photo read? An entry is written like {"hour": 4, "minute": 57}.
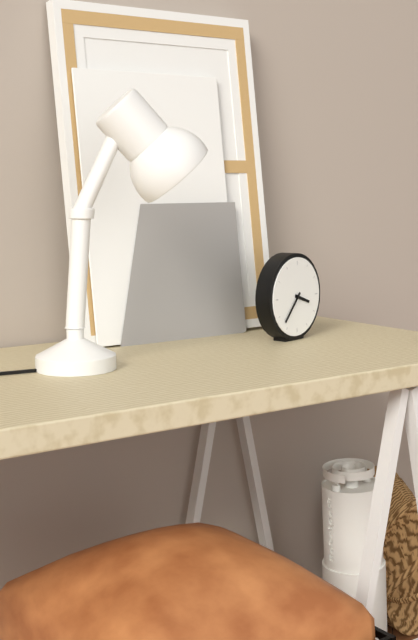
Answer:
{"hour": 3, "minute": 37}
